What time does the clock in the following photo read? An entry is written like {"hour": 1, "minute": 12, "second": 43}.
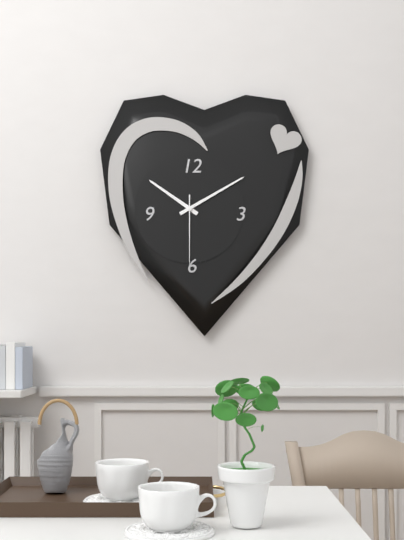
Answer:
{"hour": 10, "minute": 10, "second": 30}
